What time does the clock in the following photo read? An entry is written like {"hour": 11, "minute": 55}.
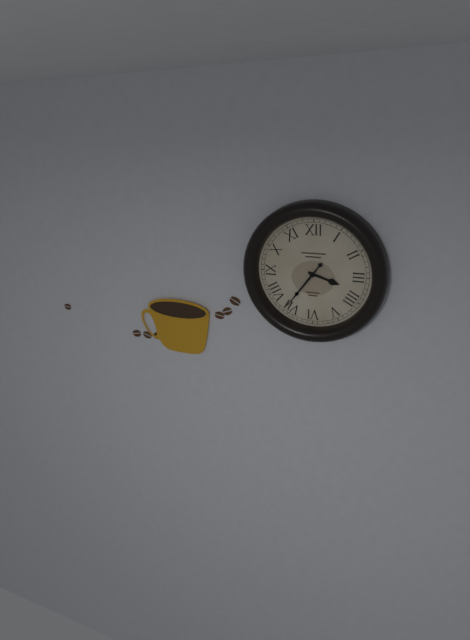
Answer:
{"hour": 3, "minute": 36}
